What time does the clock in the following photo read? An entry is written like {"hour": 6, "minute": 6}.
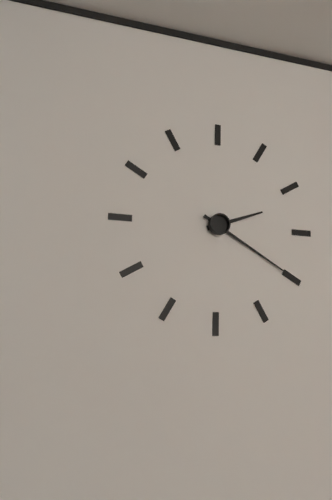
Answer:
{"hour": 2, "minute": 20}
